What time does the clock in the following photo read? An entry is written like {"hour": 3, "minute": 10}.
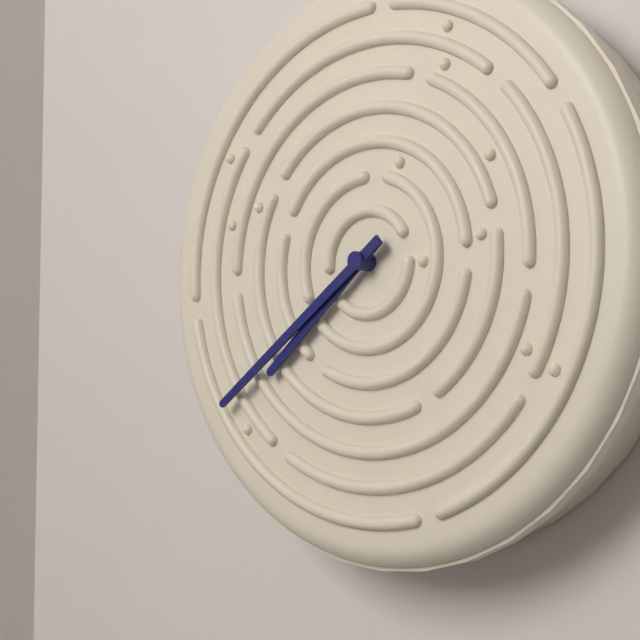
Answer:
{"hour": 7, "minute": 39}
